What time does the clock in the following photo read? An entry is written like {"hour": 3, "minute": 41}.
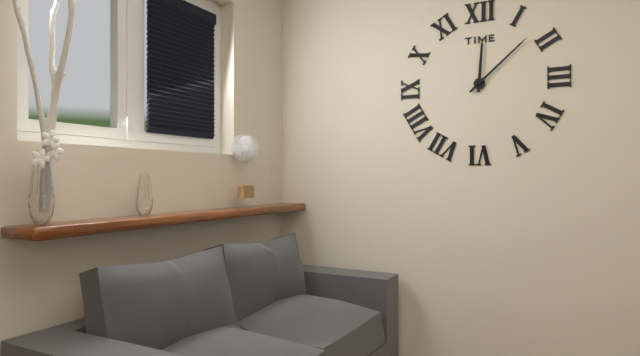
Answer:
{"hour": 12, "minute": 8}
